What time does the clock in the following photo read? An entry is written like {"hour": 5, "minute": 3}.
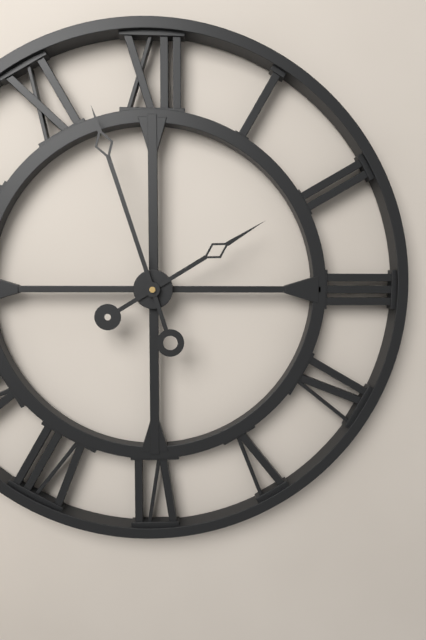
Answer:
{"hour": 1, "minute": 57}
